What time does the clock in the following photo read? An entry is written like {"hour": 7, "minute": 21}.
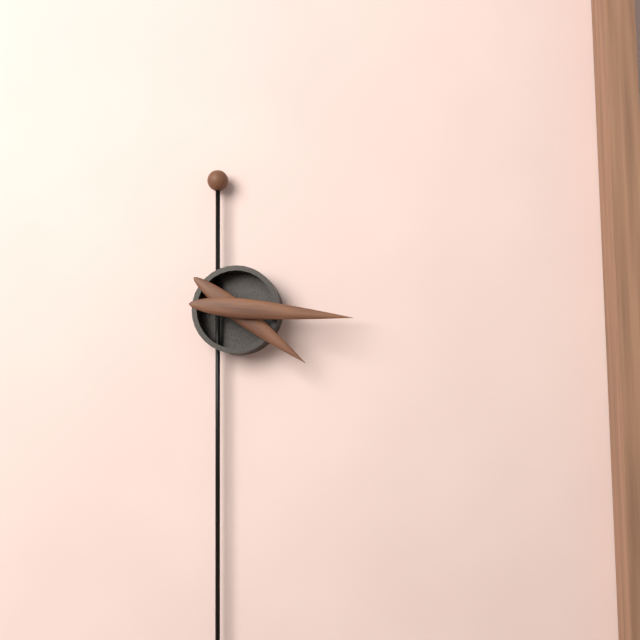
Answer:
{"hour": 4, "minute": 16}
